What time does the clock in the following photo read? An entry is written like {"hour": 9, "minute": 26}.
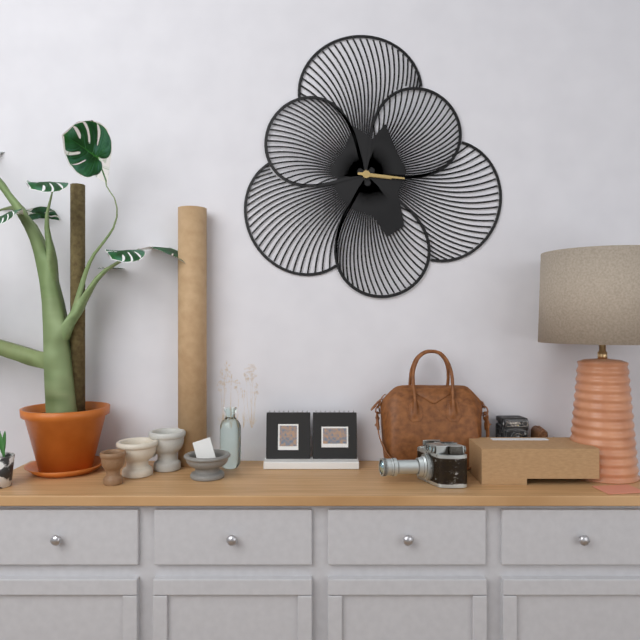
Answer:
{"hour": 3, "minute": 16}
